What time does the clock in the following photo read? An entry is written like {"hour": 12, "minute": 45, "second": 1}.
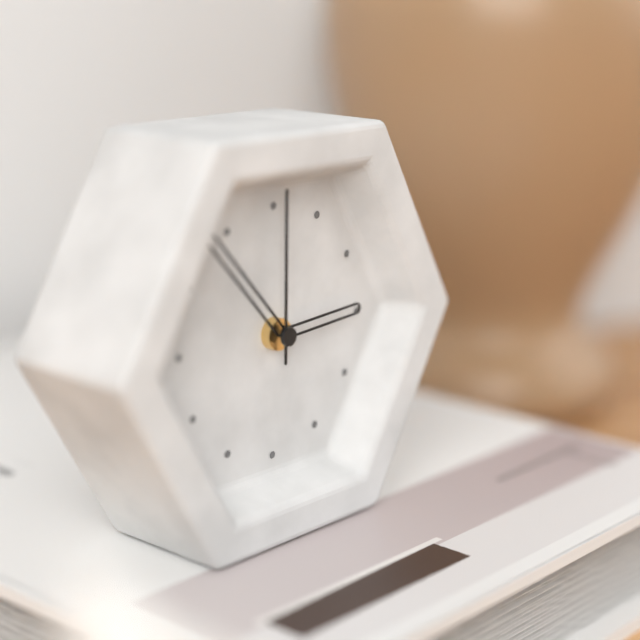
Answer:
{"hour": 2, "minute": 53, "second": 0}
